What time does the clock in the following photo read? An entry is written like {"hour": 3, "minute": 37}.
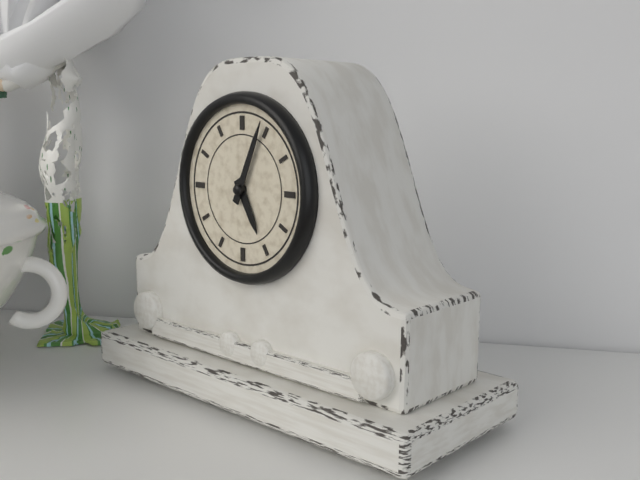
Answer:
{"hour": 5, "minute": 4}
